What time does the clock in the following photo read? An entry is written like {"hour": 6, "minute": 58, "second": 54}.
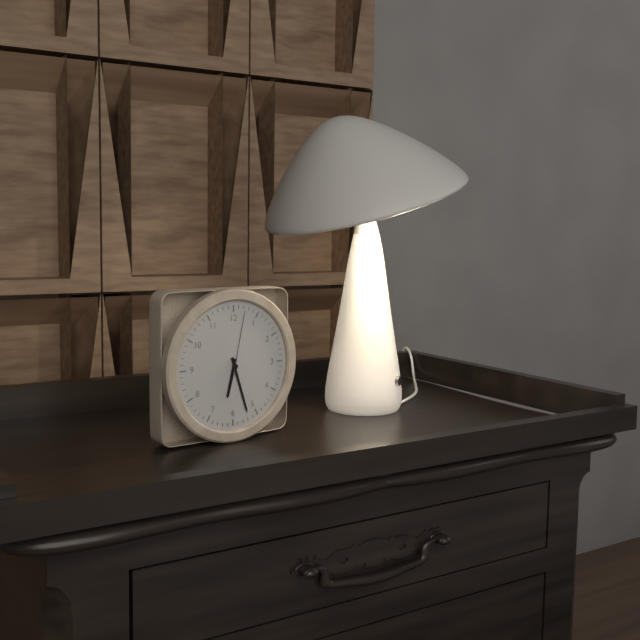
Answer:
{"hour": 6, "minute": 27, "second": 2}
